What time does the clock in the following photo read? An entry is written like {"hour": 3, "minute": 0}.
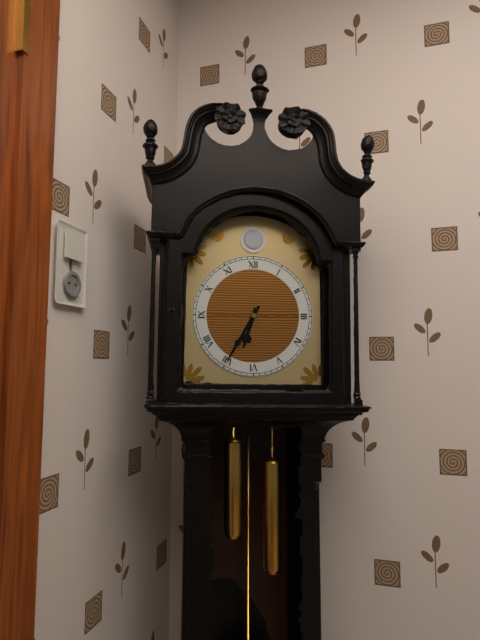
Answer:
{"hour": 6, "minute": 35}
